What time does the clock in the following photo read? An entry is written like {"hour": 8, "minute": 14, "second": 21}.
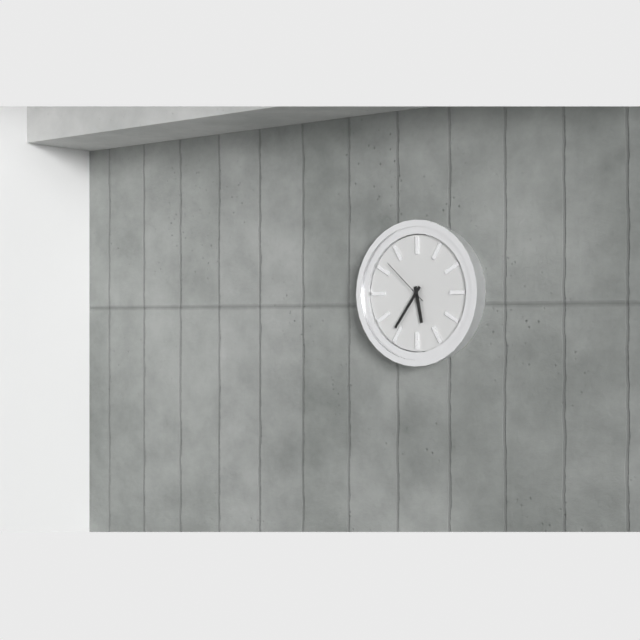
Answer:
{"hour": 5, "minute": 36, "second": 52}
